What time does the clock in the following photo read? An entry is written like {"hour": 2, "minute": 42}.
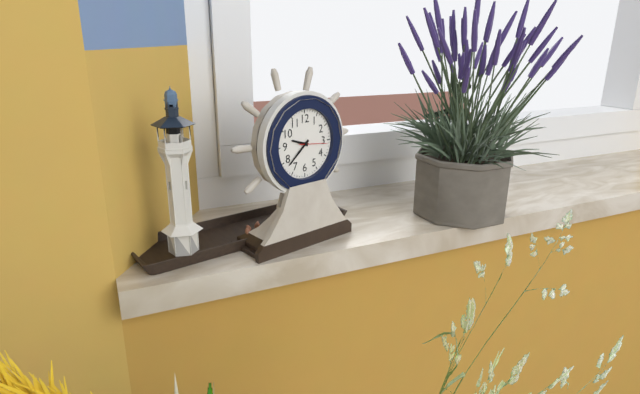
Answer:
{"hour": 9, "minute": 38}
